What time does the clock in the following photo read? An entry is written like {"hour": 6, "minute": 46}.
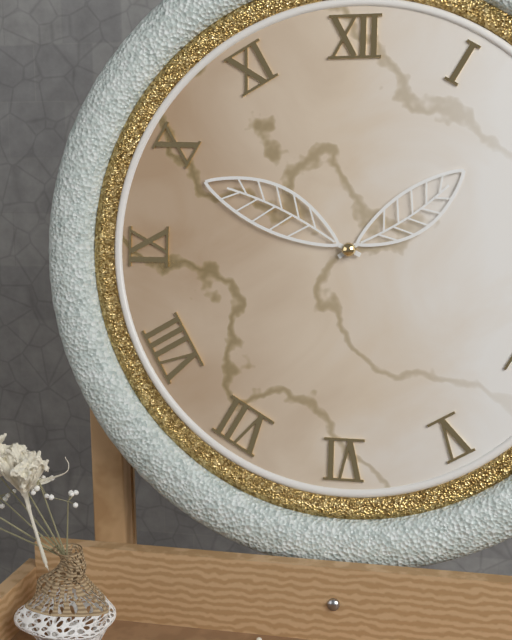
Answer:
{"hour": 1, "minute": 49}
